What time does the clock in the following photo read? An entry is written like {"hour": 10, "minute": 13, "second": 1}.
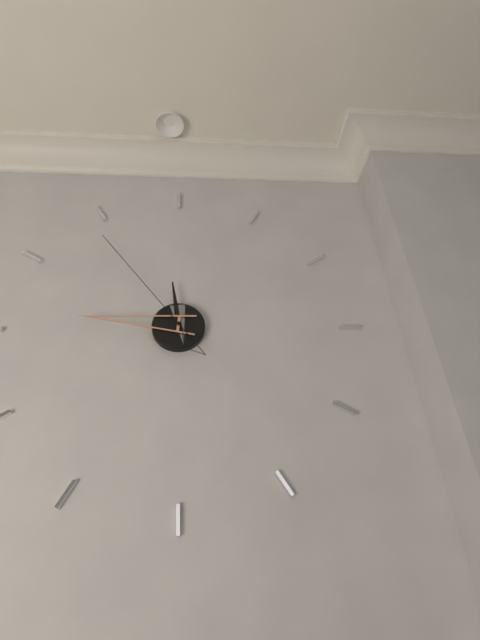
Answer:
{"hour": 11, "minute": 46, "second": 54}
